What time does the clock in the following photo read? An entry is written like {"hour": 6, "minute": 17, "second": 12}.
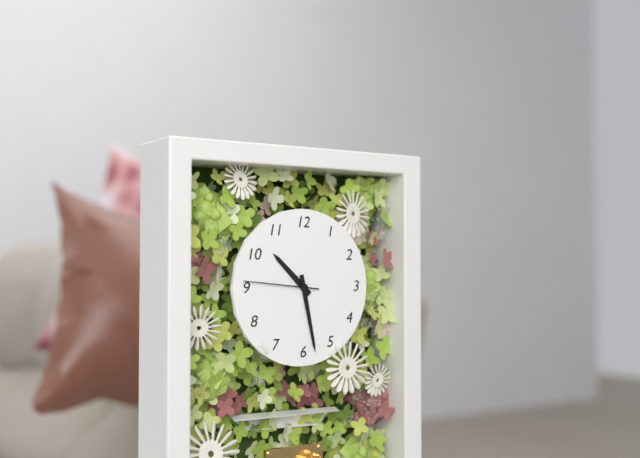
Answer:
{"hour": 10, "minute": 28, "second": 46}
